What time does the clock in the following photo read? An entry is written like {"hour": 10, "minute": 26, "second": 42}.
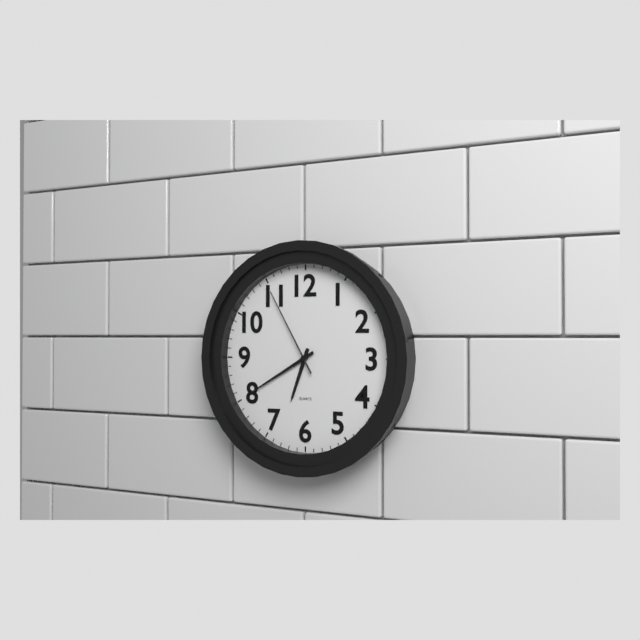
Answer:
{"hour": 6, "minute": 40, "second": 55}
